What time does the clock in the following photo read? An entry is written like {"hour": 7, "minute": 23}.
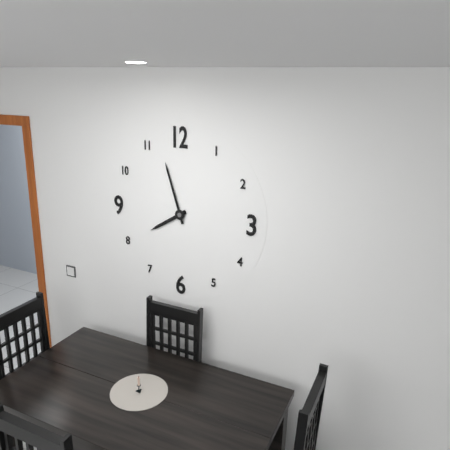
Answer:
{"hour": 7, "minute": 57}
